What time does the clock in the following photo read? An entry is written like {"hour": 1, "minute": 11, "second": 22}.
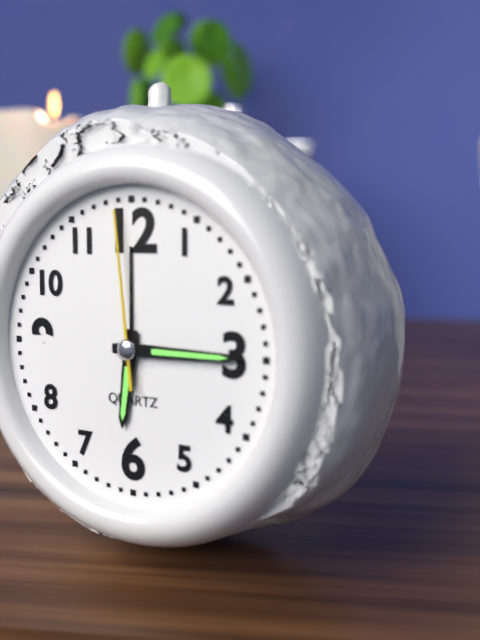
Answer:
{"hour": 6, "minute": 15, "second": 59}
